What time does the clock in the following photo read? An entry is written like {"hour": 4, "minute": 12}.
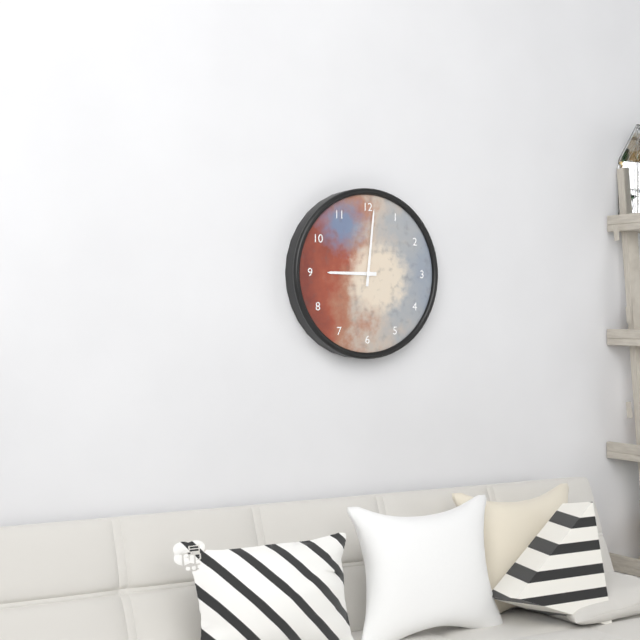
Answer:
{"hour": 9, "minute": 1}
